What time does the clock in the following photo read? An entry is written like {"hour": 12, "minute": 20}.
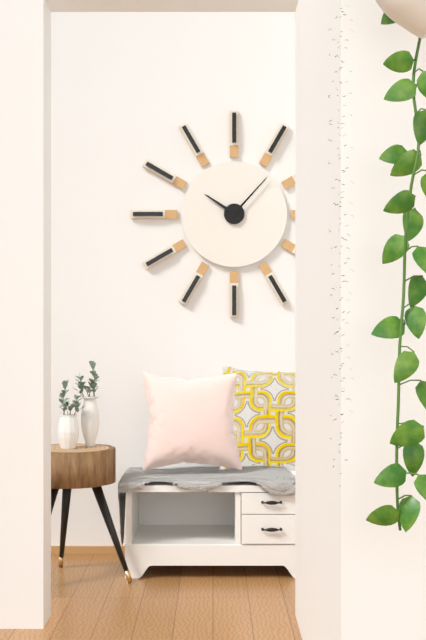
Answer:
{"hour": 10, "minute": 7}
